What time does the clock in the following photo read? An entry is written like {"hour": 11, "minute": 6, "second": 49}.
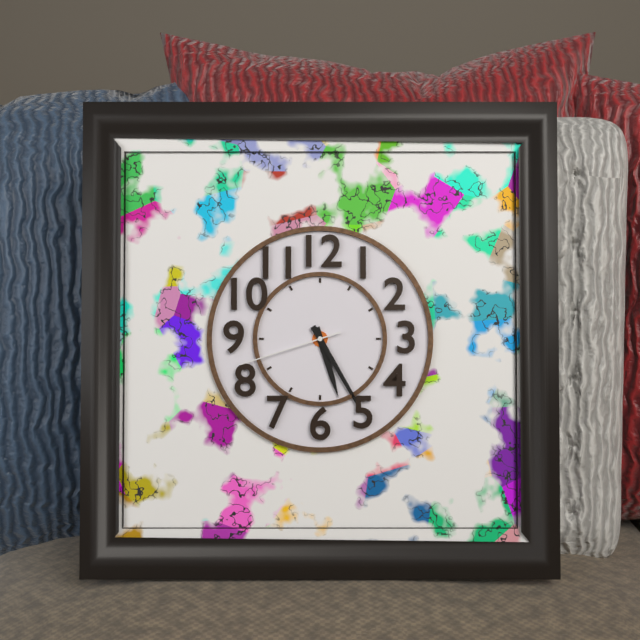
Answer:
{"hour": 5, "minute": 25, "second": 42}
